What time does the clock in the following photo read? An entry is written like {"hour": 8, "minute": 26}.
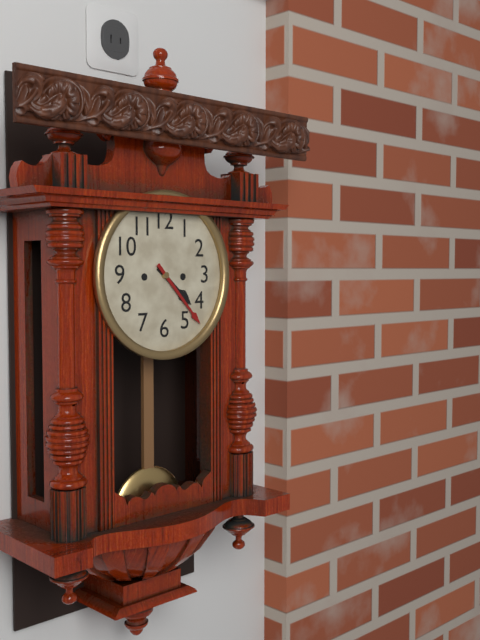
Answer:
{"hour": 4, "minute": 23}
